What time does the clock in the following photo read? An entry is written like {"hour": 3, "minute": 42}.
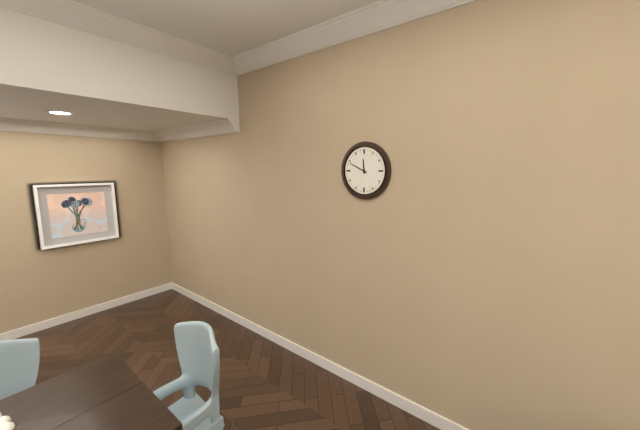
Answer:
{"hour": 11, "minute": 49}
